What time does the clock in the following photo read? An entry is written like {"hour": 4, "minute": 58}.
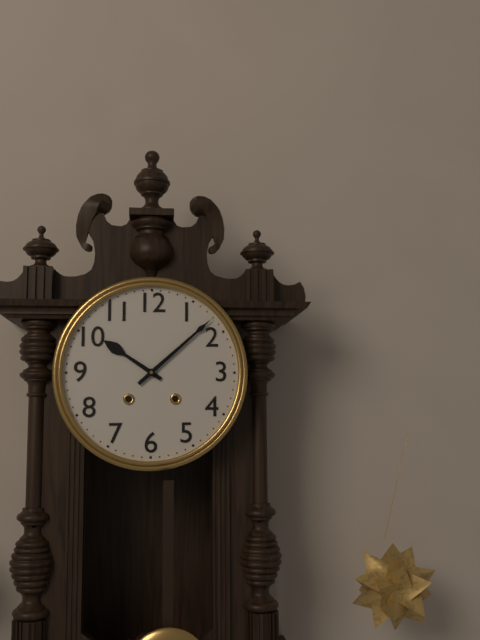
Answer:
{"hour": 10, "minute": 8}
